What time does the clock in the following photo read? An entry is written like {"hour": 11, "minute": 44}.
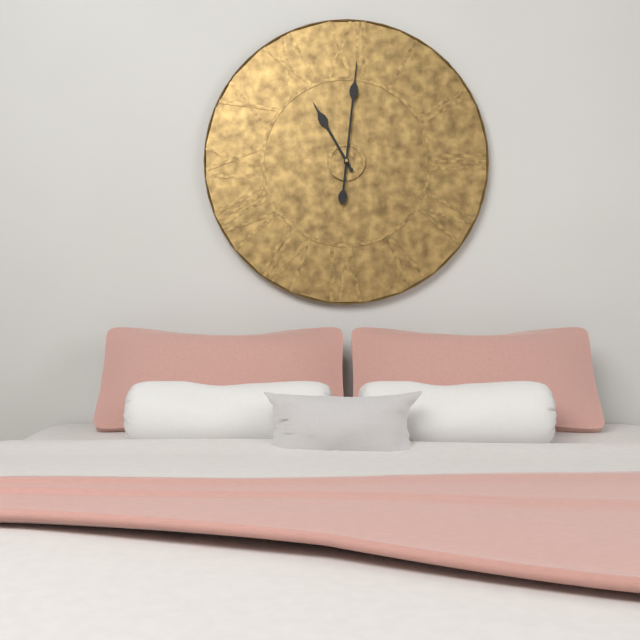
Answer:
{"hour": 11, "minute": 1}
